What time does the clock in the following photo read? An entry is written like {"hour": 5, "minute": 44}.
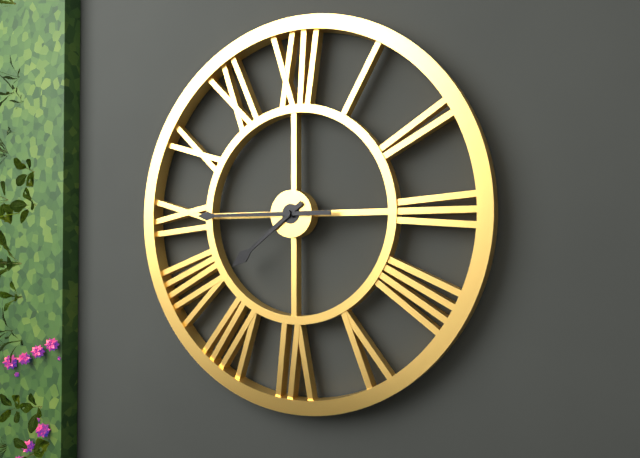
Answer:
{"hour": 7, "minute": 45}
